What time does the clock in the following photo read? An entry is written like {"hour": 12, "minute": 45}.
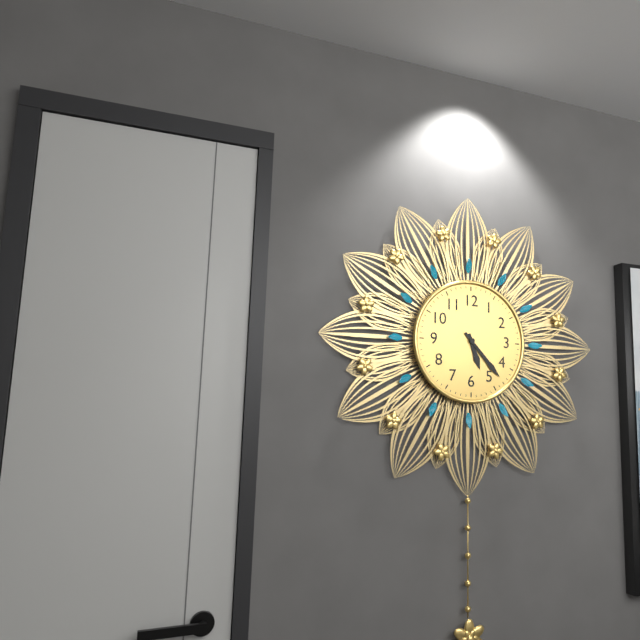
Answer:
{"hour": 5, "minute": 23}
